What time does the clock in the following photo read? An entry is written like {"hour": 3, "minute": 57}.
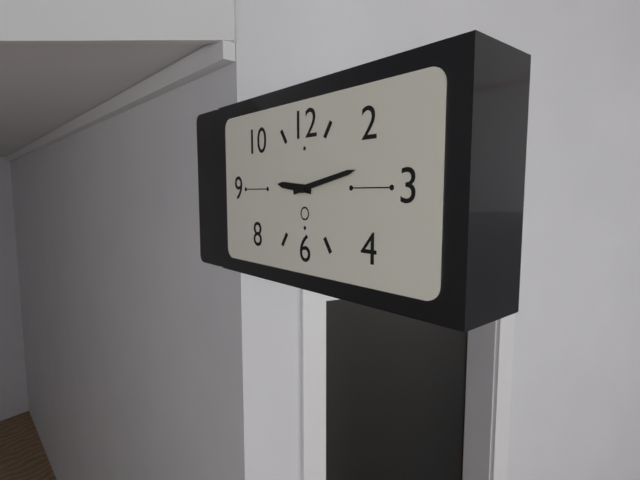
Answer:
{"hour": 9, "minute": 13}
